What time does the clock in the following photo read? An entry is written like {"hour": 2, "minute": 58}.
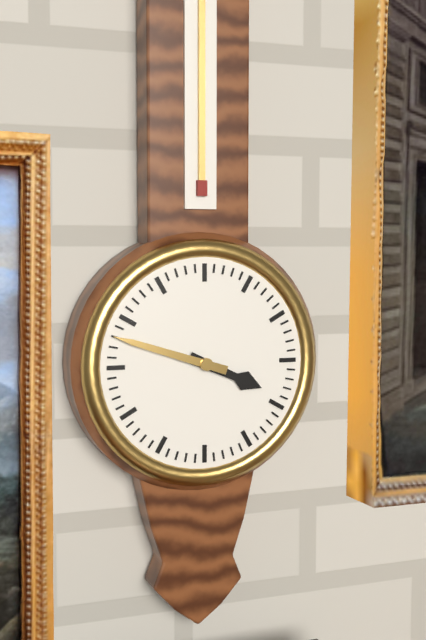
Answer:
{"hour": 3, "minute": 48}
